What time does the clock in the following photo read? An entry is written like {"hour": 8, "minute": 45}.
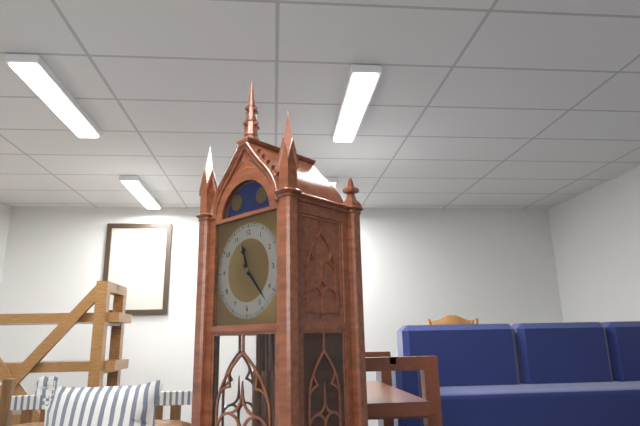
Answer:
{"hour": 11, "minute": 23}
